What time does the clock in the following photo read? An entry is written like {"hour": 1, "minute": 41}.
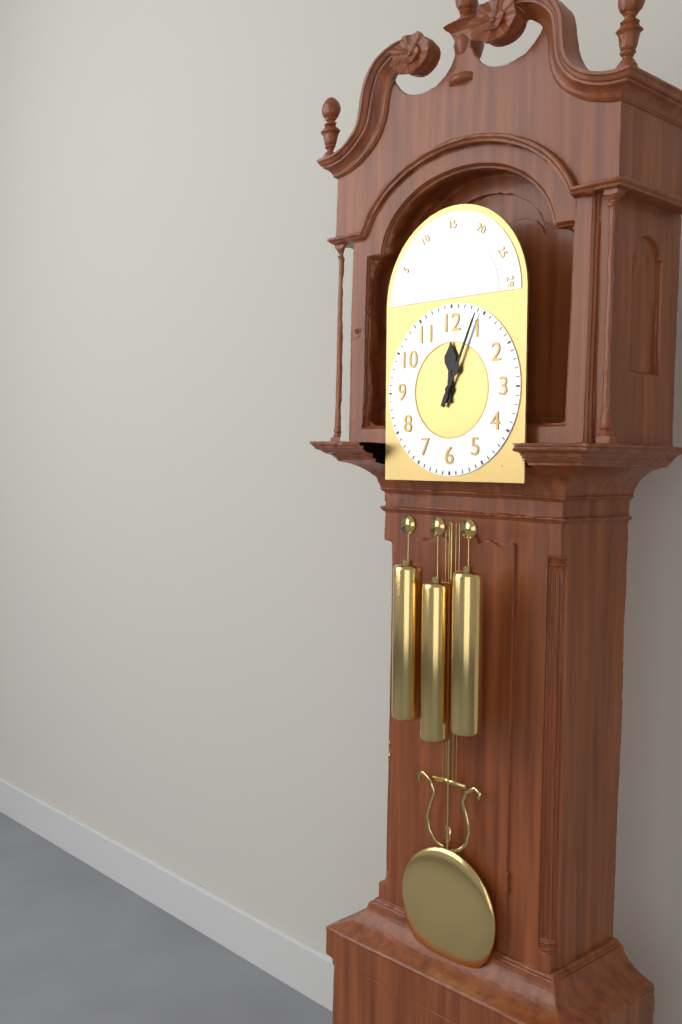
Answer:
{"hour": 12, "minute": 4}
